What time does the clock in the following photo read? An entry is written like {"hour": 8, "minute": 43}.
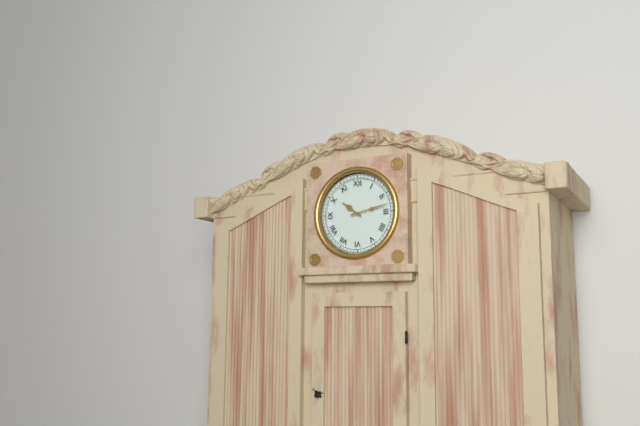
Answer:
{"hour": 10, "minute": 13}
